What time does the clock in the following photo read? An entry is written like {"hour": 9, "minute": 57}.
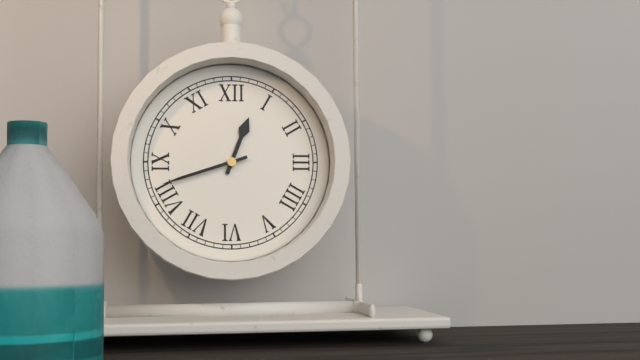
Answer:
{"hour": 12, "minute": 42}
